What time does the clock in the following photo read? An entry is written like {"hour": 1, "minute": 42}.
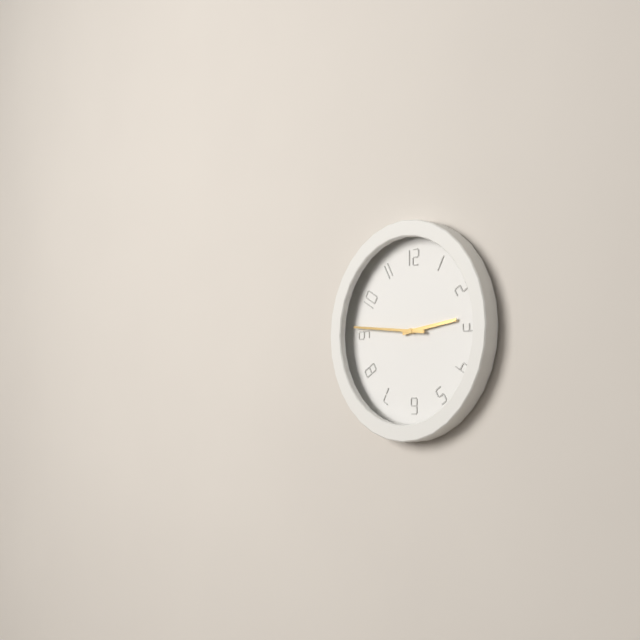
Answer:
{"hour": 2, "minute": 46}
